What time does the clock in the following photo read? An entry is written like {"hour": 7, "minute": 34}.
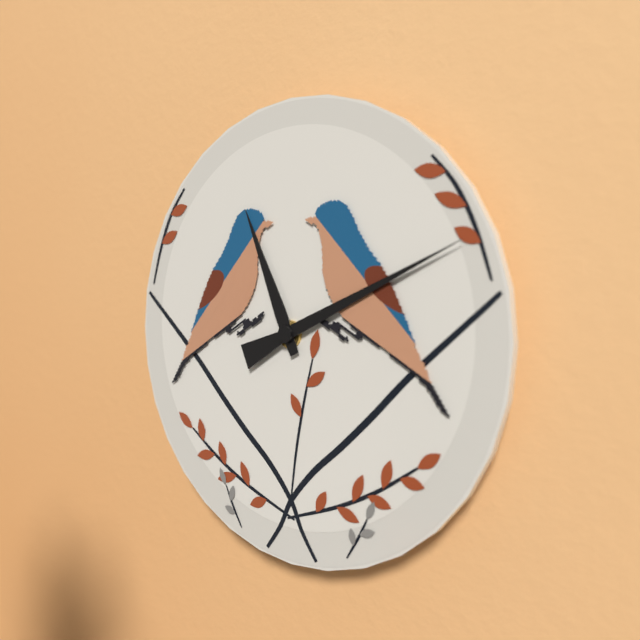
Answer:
{"hour": 11, "minute": 11}
